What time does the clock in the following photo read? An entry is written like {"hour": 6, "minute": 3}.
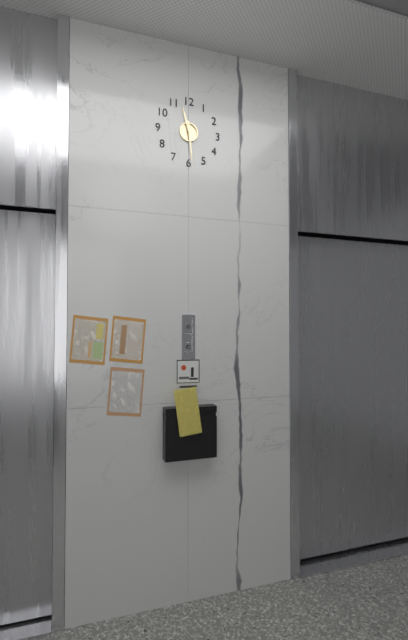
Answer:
{"hour": 11, "minute": 29}
